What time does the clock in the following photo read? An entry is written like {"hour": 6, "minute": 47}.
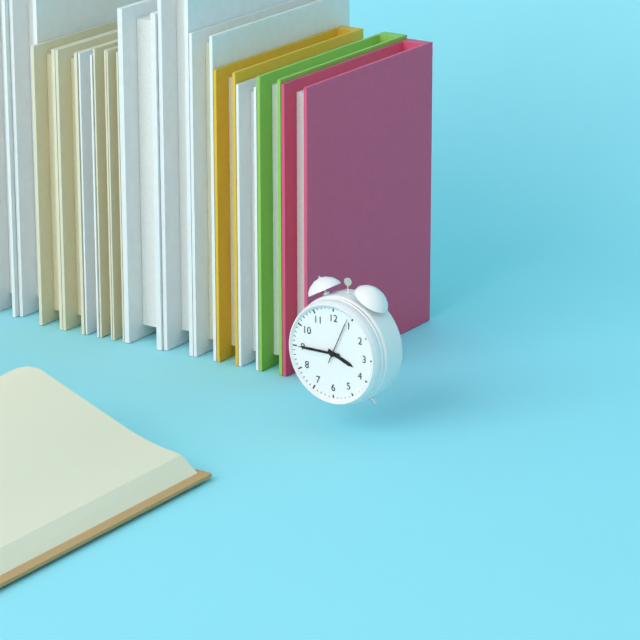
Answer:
{"hour": 3, "minute": 45}
